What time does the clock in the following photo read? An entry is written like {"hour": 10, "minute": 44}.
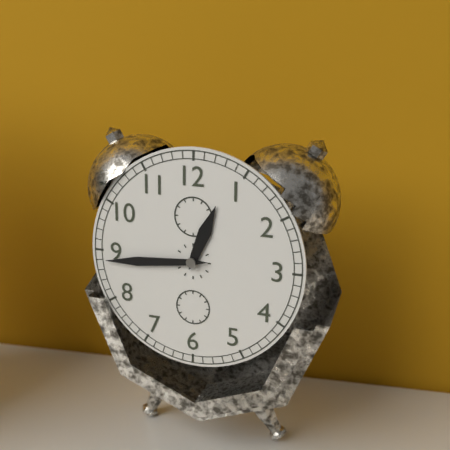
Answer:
{"hour": 12, "minute": 44}
